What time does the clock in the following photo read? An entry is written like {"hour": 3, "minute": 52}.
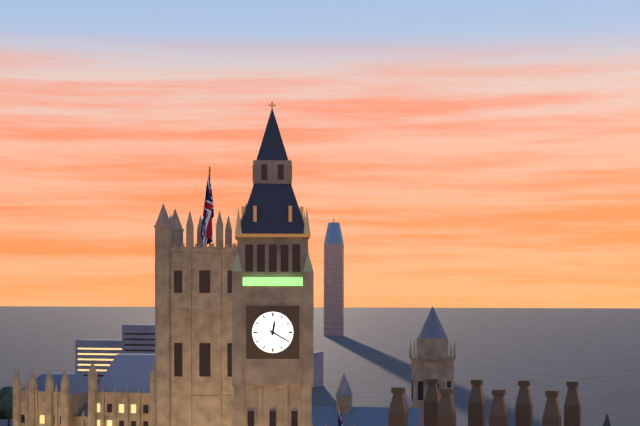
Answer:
{"hour": 12, "minute": 20}
